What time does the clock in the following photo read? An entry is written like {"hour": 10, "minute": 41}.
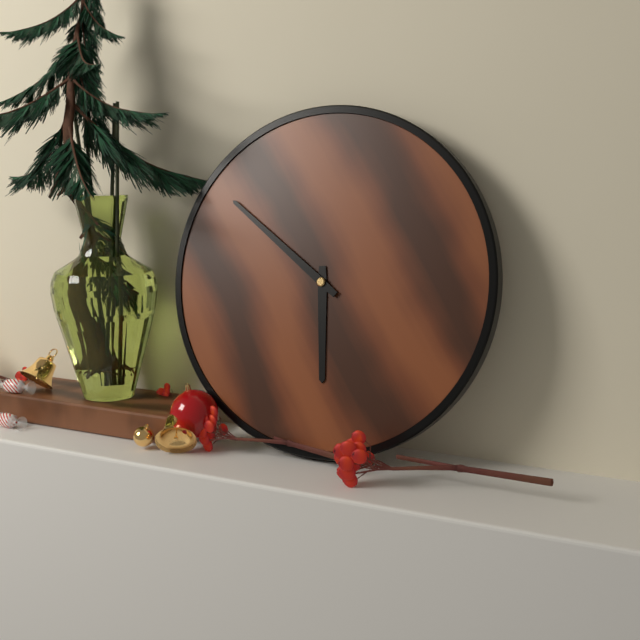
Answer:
{"hour": 5, "minute": 51}
